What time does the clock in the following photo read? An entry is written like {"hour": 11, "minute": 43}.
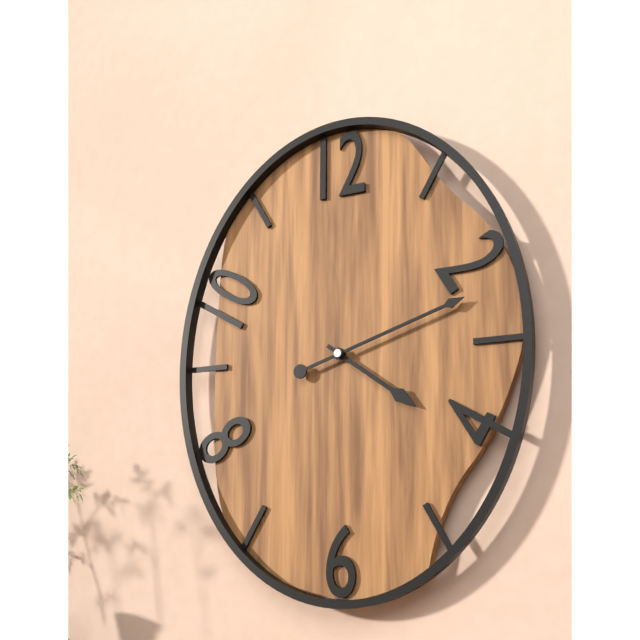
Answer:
{"hour": 4, "minute": 12}
